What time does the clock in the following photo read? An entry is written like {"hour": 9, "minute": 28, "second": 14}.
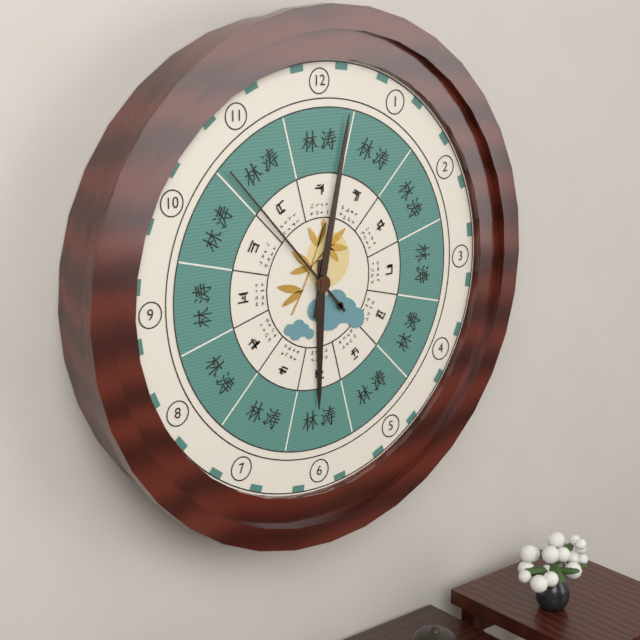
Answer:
{"hour": 6, "minute": 2, "second": 53}
